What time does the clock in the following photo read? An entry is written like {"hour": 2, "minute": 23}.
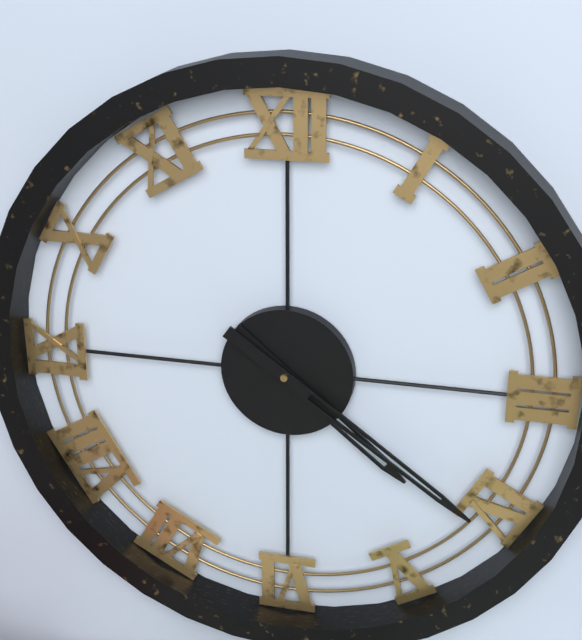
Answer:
{"hour": 4, "minute": 21}
